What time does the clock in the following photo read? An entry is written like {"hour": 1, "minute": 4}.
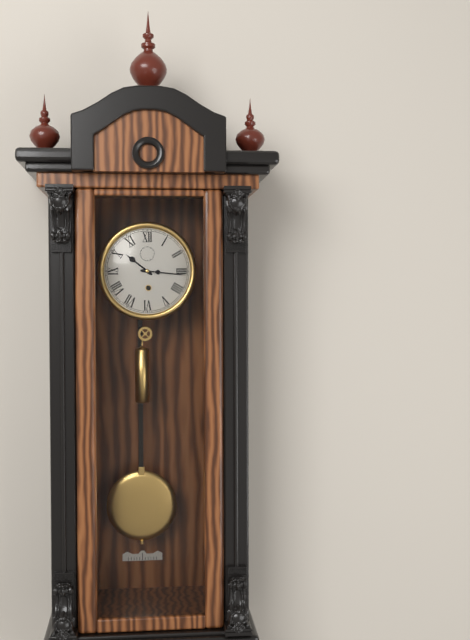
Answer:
{"hour": 10, "minute": 16}
